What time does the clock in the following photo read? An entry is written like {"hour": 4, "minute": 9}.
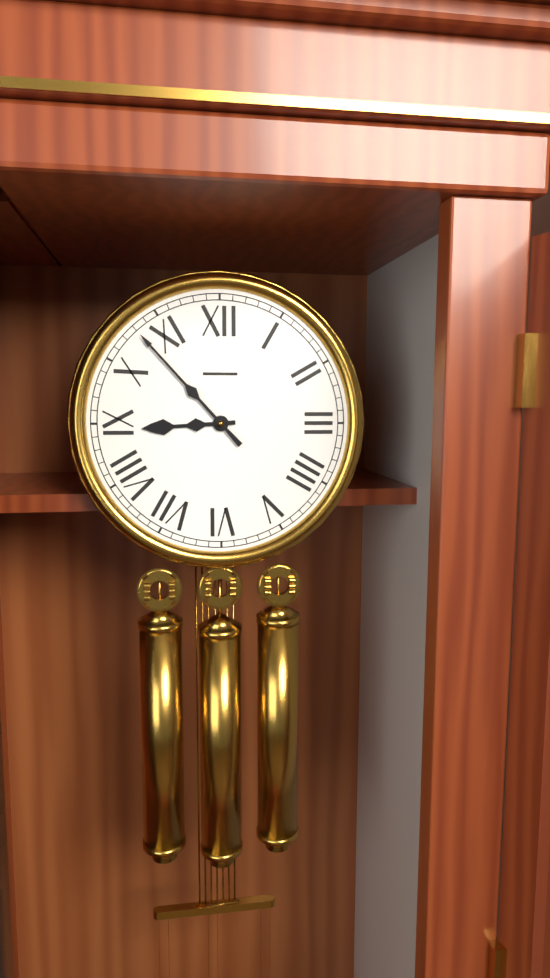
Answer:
{"hour": 8, "minute": 53}
